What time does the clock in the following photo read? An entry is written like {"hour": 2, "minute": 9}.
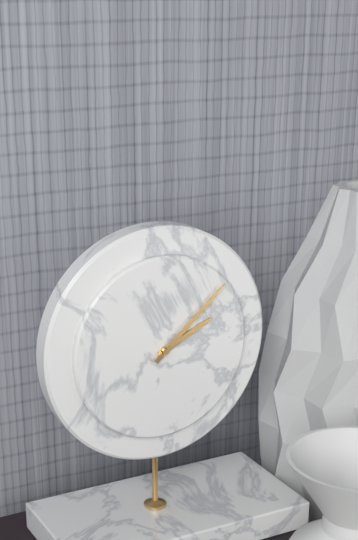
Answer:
{"hour": 2, "minute": 8}
